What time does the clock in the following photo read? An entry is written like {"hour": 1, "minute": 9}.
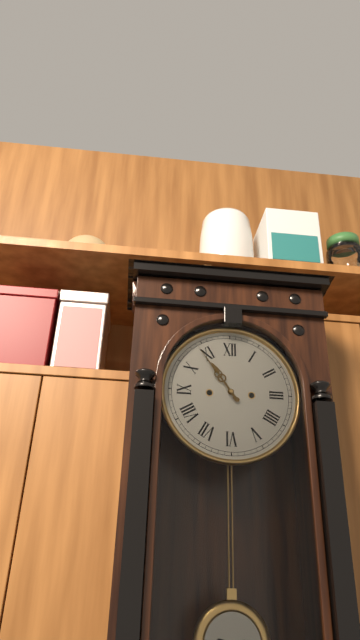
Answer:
{"hour": 10, "minute": 54}
